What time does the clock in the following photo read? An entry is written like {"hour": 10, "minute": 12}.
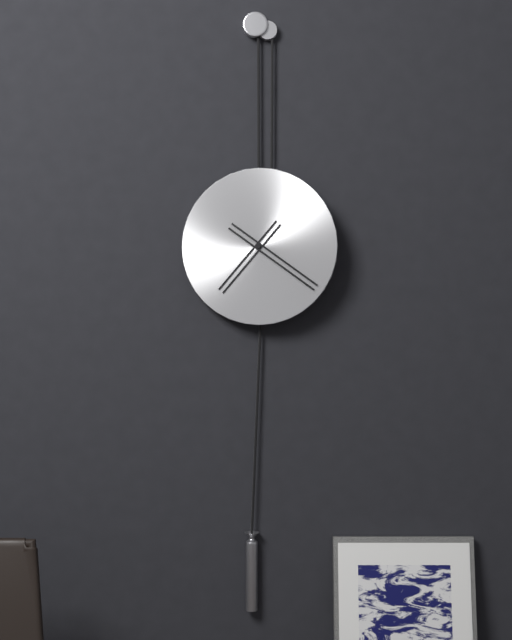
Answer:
{"hour": 7, "minute": 21}
